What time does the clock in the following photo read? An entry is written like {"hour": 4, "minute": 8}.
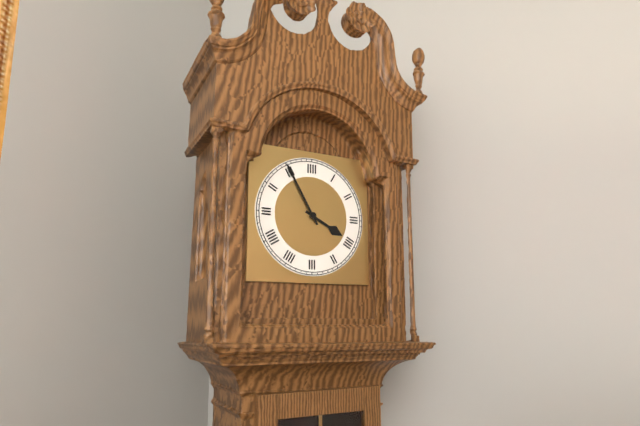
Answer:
{"hour": 3, "minute": 55}
